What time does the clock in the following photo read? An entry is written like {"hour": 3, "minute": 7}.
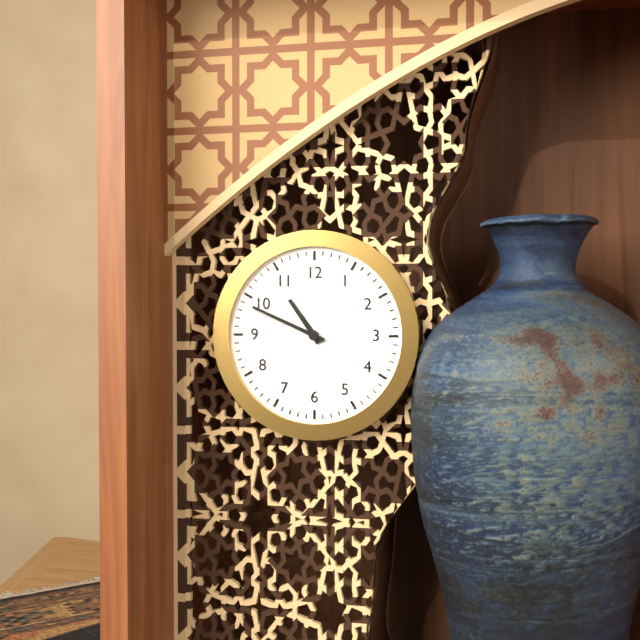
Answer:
{"hour": 10, "minute": 49}
